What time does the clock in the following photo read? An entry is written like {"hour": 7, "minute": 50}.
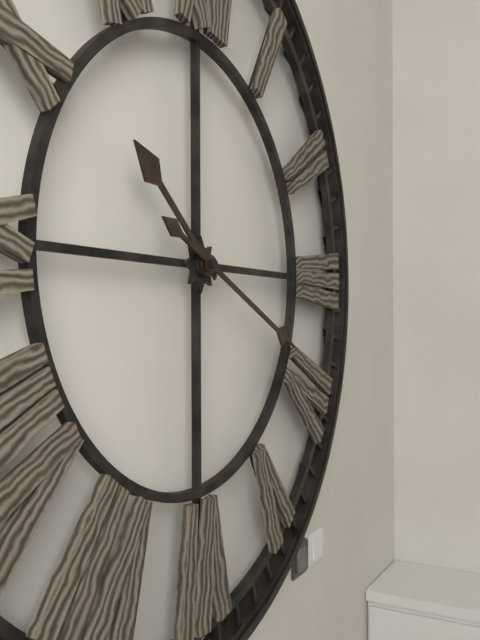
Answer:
{"hour": 10, "minute": 19}
